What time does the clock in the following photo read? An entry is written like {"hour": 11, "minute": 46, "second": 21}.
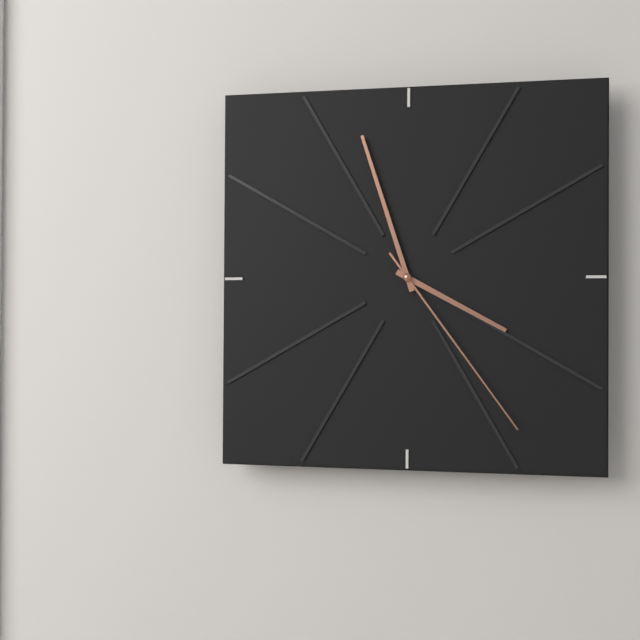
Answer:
{"hour": 3, "minute": 57, "second": 24}
